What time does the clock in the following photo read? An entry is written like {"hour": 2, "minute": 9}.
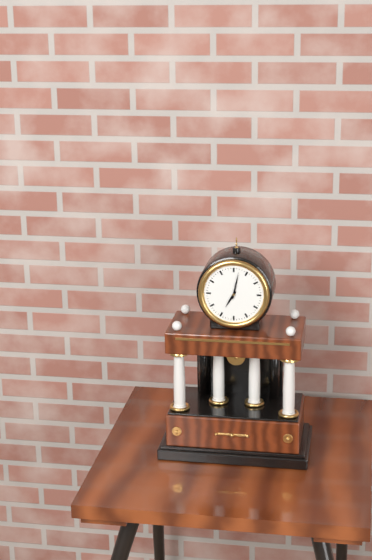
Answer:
{"hour": 7, "minute": 2}
